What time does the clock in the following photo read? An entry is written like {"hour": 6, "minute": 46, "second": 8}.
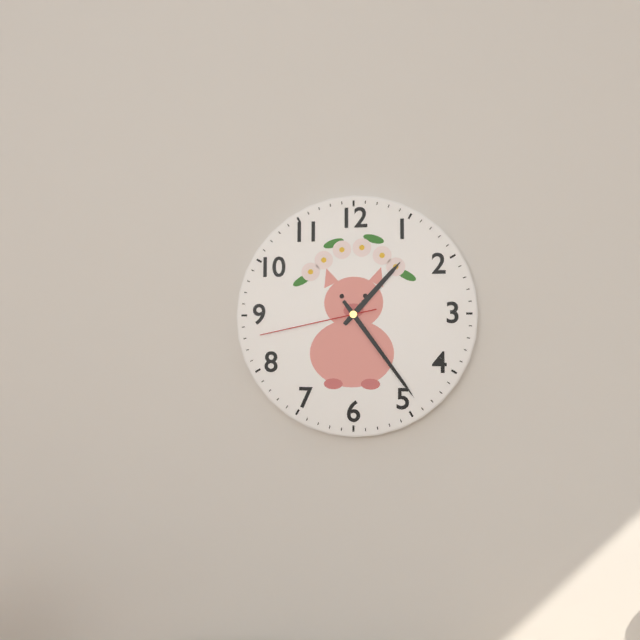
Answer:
{"hour": 1, "minute": 24, "second": 43}
